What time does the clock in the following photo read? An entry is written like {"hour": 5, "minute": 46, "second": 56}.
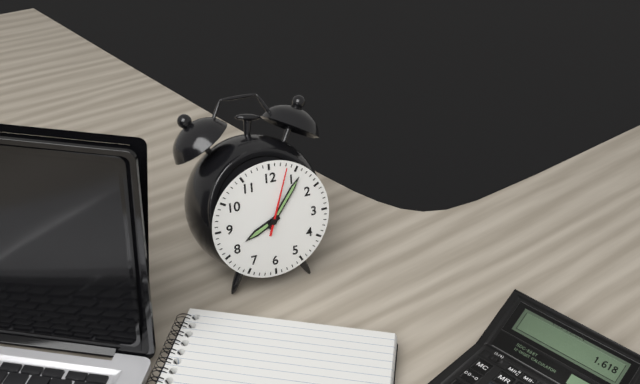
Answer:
{"hour": 8, "minute": 6, "second": 3}
